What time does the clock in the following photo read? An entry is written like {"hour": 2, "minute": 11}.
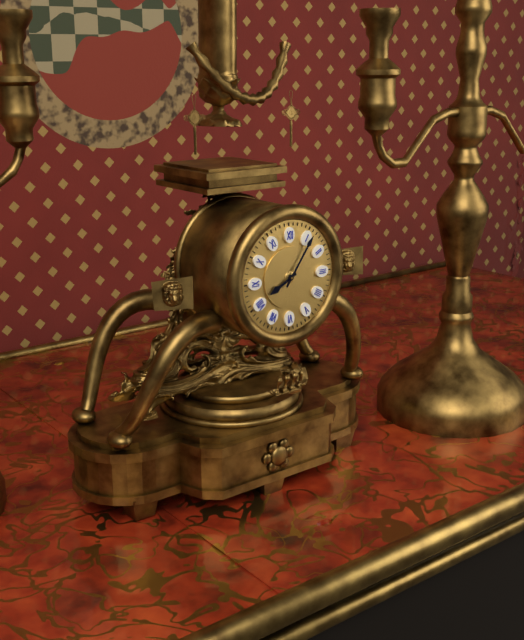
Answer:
{"hour": 8, "minute": 6}
